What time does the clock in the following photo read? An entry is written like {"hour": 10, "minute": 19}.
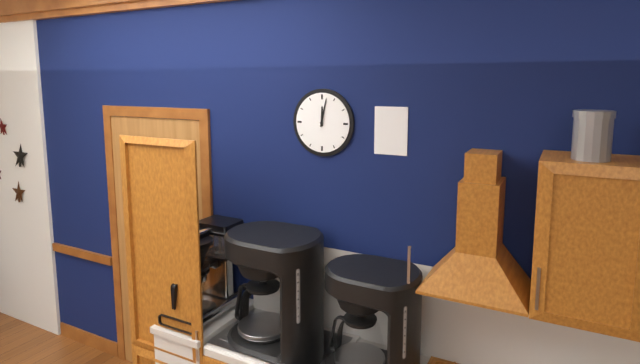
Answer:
{"hour": 12, "minute": 2}
